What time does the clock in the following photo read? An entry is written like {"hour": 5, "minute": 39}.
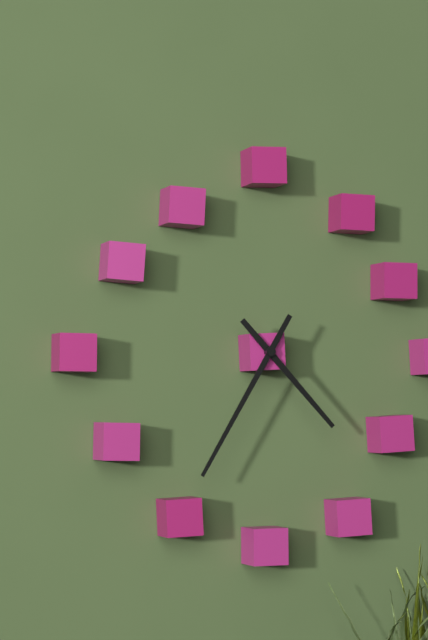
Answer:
{"hour": 4, "minute": 35}
